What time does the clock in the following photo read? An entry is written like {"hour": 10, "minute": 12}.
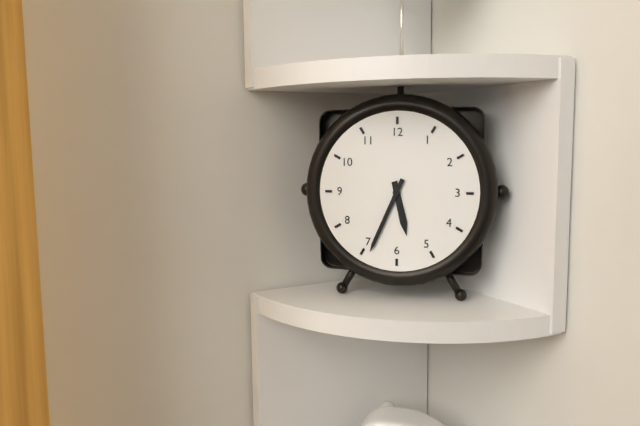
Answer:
{"hour": 5, "minute": 34}
